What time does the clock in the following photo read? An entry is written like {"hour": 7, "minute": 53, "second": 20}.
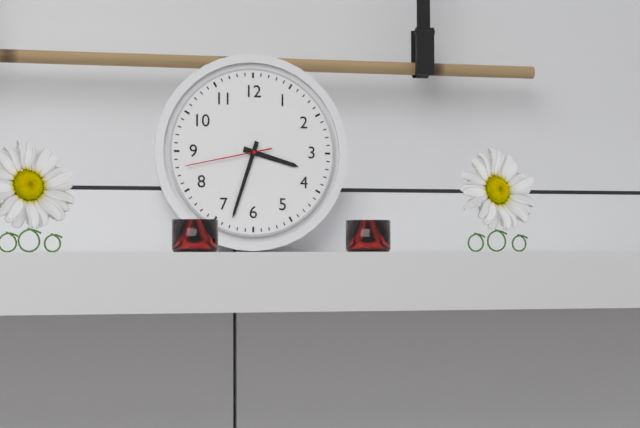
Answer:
{"hour": 3, "minute": 33, "second": 43}
